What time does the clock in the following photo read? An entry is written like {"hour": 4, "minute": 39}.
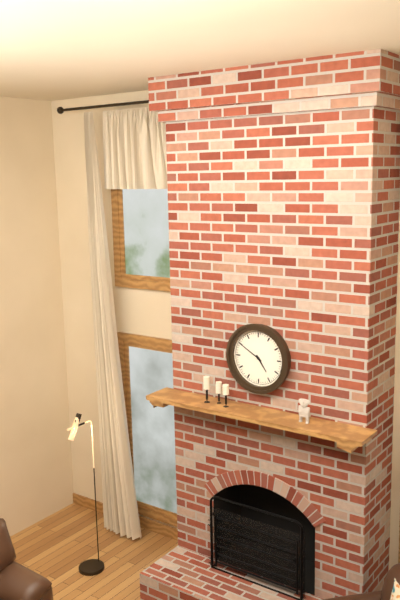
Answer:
{"hour": 4, "minute": 50}
